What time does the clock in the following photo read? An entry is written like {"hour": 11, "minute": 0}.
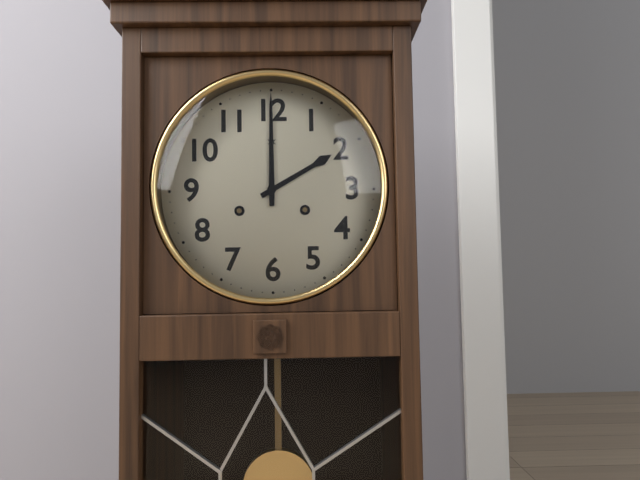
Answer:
{"hour": 2, "minute": 0}
